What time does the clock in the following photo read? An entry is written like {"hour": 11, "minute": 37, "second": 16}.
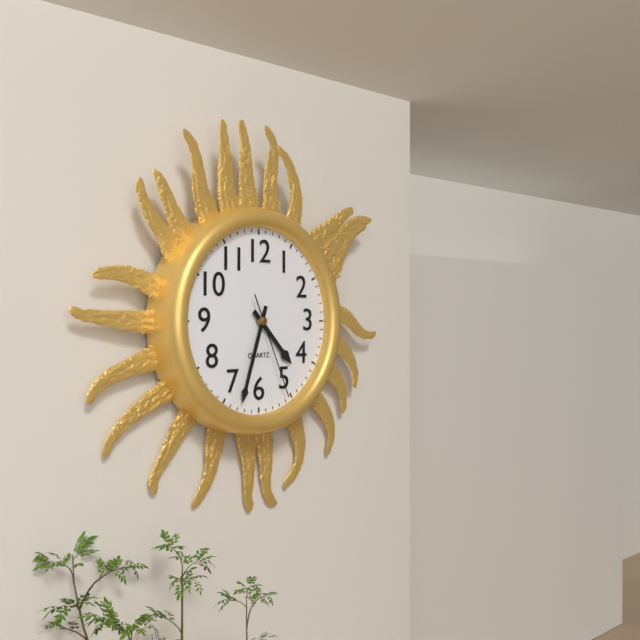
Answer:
{"hour": 4, "minute": 33, "second": 26}
